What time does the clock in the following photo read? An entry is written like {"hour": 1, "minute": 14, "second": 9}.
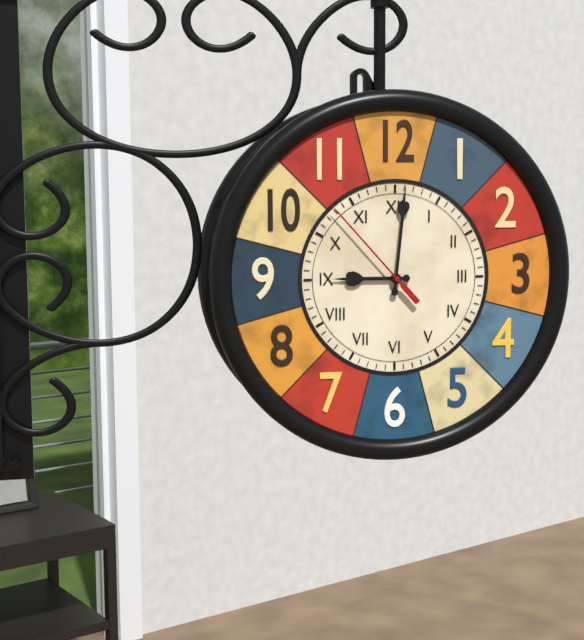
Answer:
{"hour": 9, "minute": 1, "second": 53}
